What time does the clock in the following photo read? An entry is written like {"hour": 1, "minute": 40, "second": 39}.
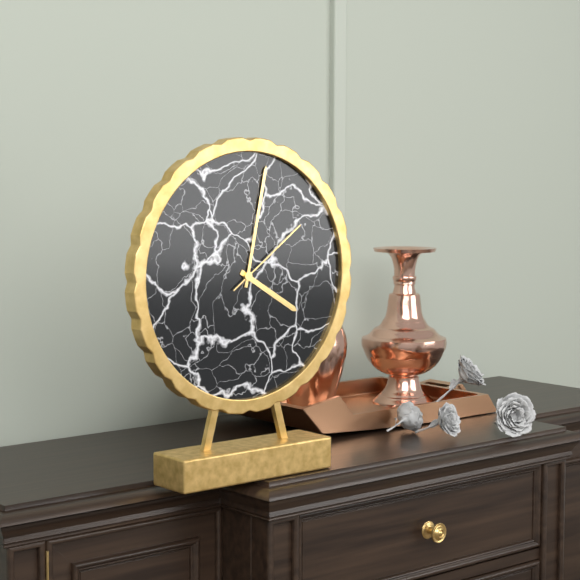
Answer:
{"hour": 4, "minute": 2, "second": 9}
